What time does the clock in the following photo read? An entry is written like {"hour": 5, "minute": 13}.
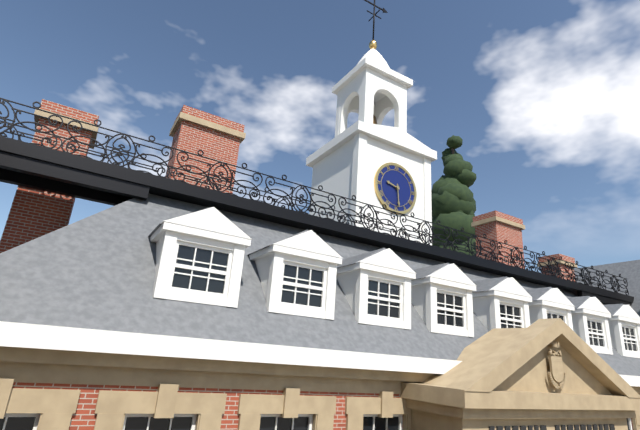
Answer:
{"hour": 9, "minute": 29}
